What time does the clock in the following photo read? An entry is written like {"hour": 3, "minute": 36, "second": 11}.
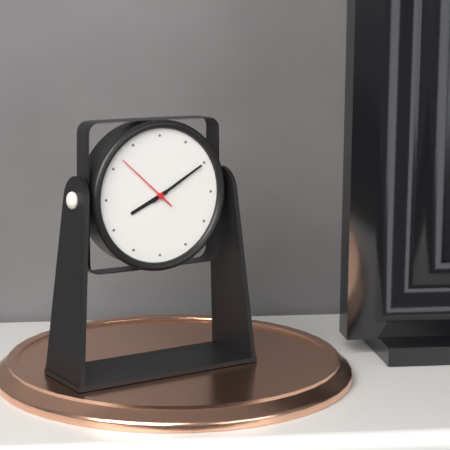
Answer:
{"hour": 8, "minute": 10, "second": 52}
